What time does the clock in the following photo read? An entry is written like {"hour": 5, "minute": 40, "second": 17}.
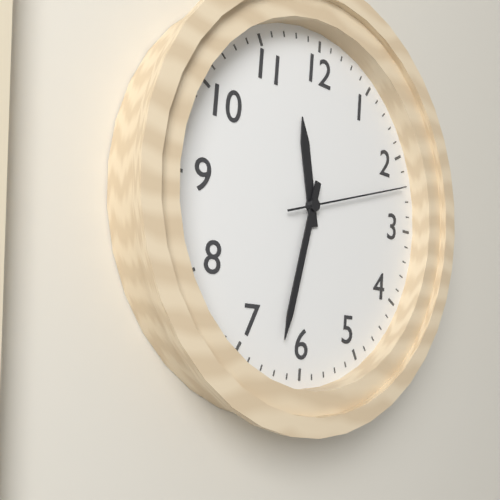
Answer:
{"hour": 11, "minute": 32, "second": 12}
